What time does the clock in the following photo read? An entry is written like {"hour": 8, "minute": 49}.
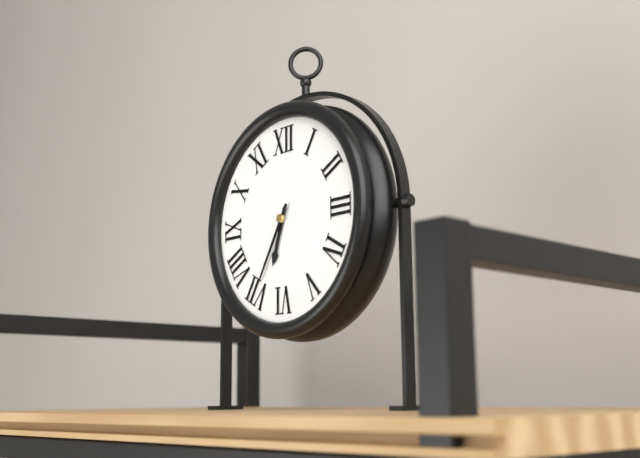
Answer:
{"hour": 6, "minute": 35}
